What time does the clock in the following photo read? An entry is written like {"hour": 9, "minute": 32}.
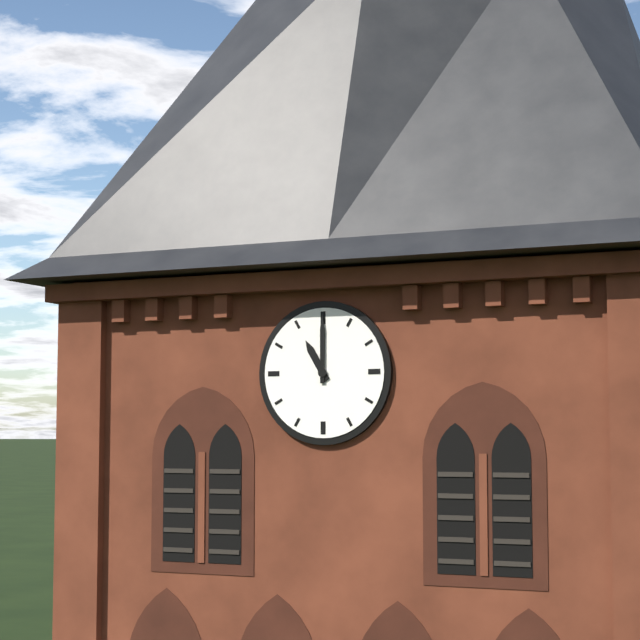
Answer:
{"hour": 11, "minute": 0}
